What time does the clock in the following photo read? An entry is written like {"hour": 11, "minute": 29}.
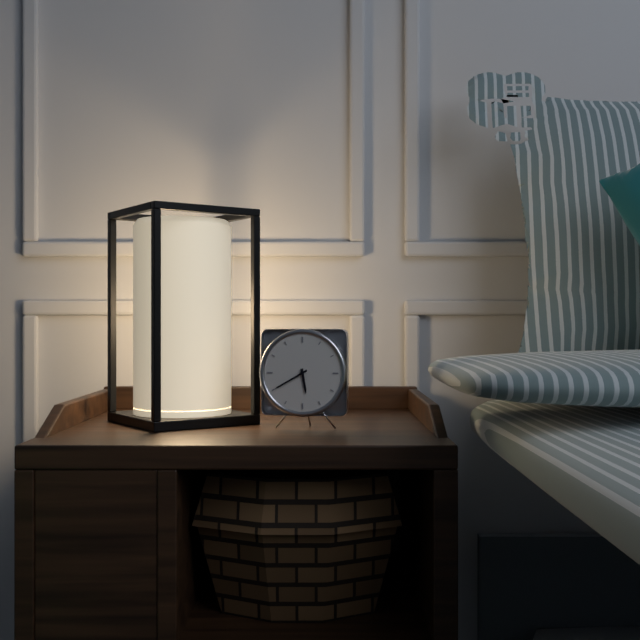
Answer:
{"hour": 5, "minute": 40}
